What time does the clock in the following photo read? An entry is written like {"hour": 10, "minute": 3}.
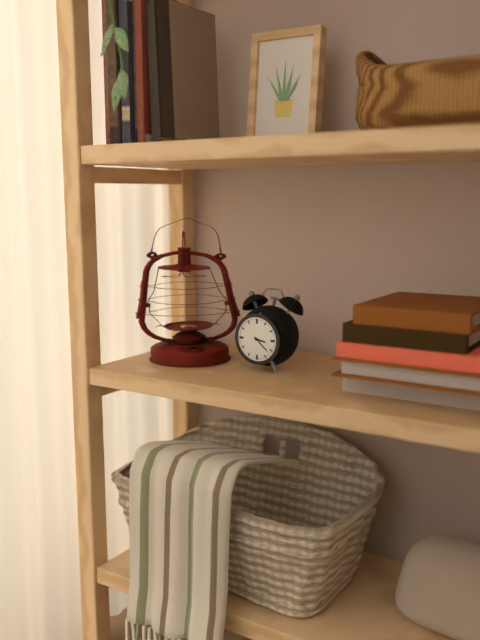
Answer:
{"hour": 3, "minute": 22}
